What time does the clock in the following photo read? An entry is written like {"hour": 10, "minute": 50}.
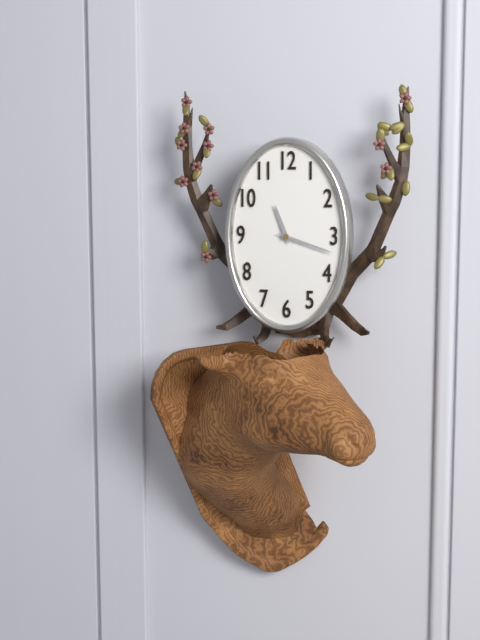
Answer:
{"hour": 11, "minute": 18}
